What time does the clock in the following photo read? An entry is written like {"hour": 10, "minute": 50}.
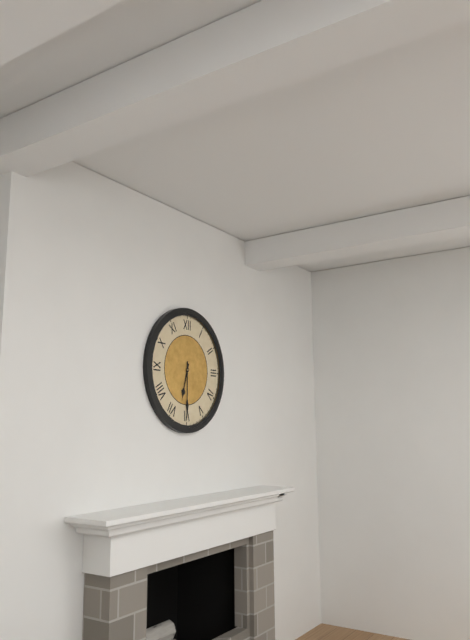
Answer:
{"hour": 6, "minute": 30}
